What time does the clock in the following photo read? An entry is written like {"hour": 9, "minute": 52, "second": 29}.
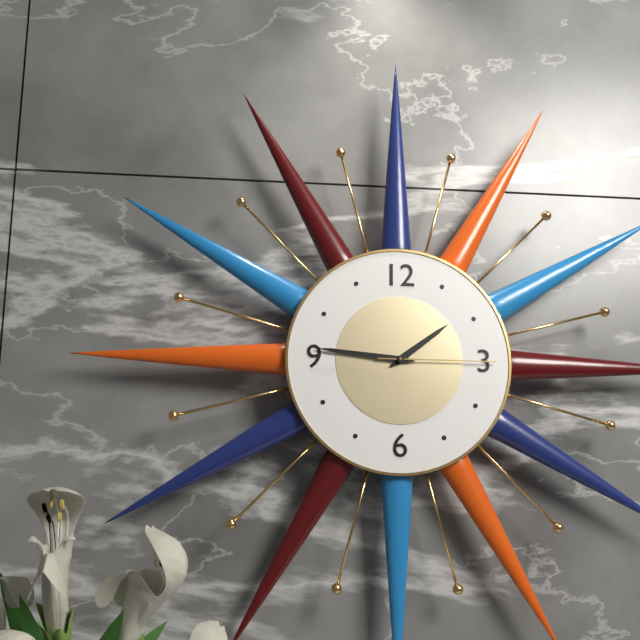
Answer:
{"hour": 1, "minute": 46, "second": 15}
